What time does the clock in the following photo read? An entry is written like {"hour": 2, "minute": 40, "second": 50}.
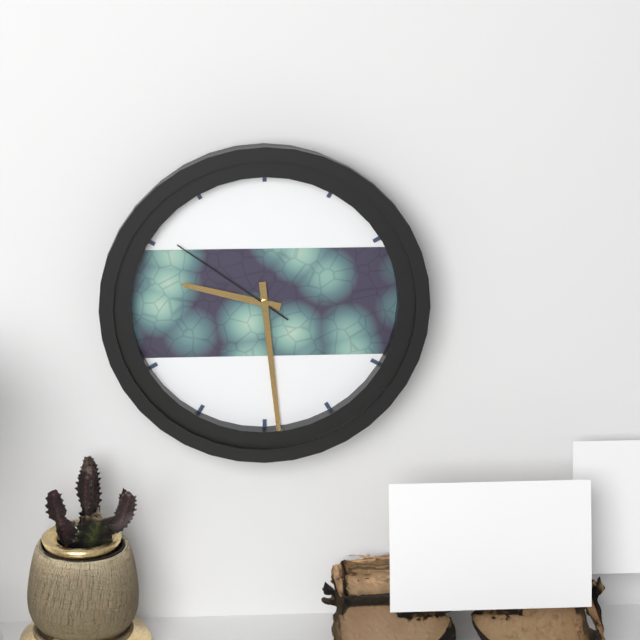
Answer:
{"hour": 9, "minute": 29, "second": 51}
